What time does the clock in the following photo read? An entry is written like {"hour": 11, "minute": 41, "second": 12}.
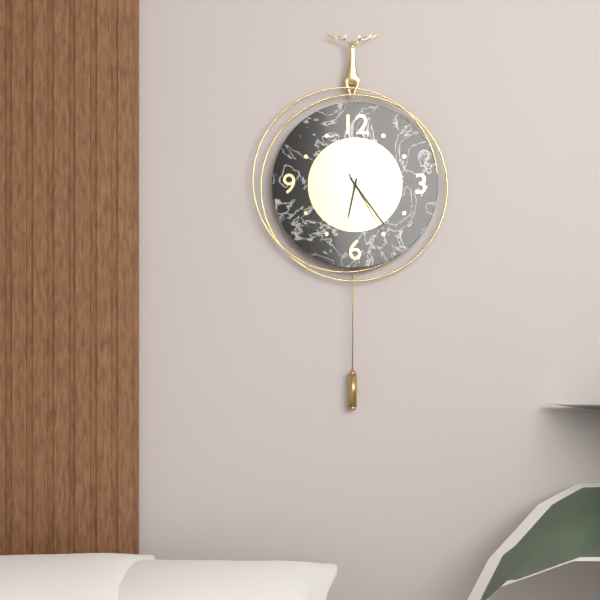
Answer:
{"hour": 6, "minute": 24, "second": 25}
